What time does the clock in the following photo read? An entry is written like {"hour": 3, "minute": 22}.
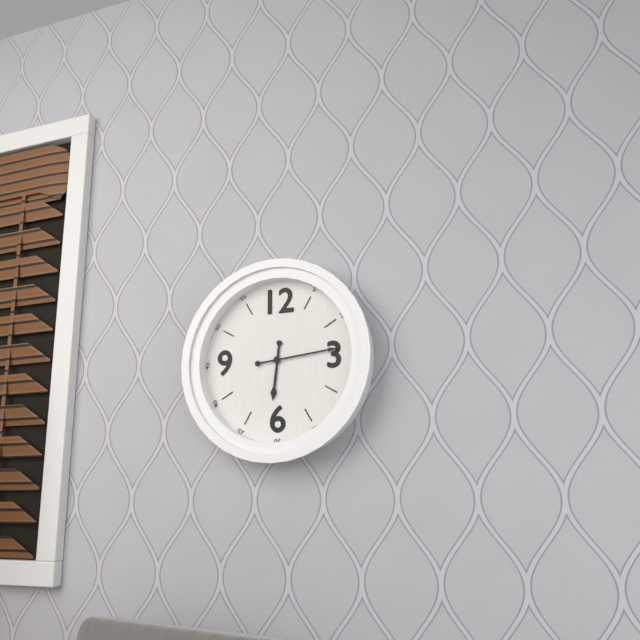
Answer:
{"hour": 6, "minute": 14}
